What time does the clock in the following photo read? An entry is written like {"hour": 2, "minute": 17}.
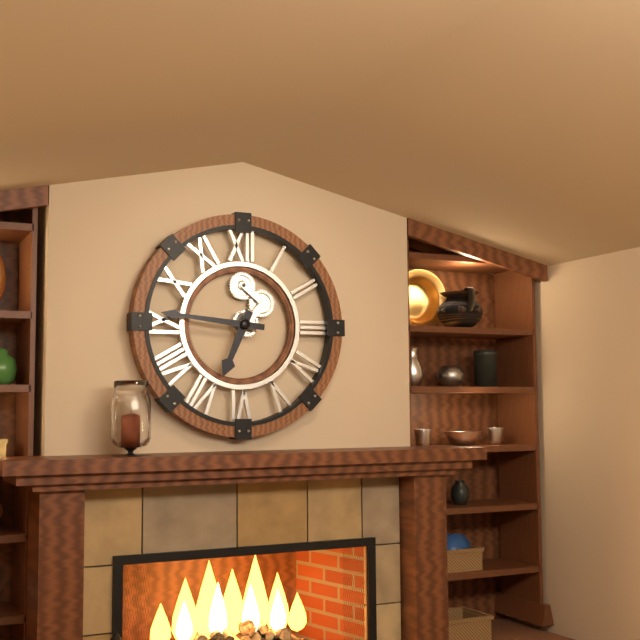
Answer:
{"hour": 6, "minute": 46}
